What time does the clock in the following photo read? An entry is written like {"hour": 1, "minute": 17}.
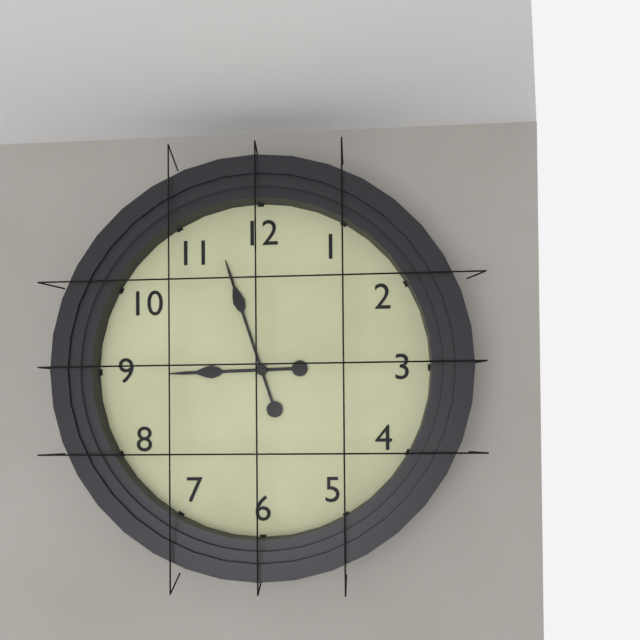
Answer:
{"hour": 8, "minute": 57}
